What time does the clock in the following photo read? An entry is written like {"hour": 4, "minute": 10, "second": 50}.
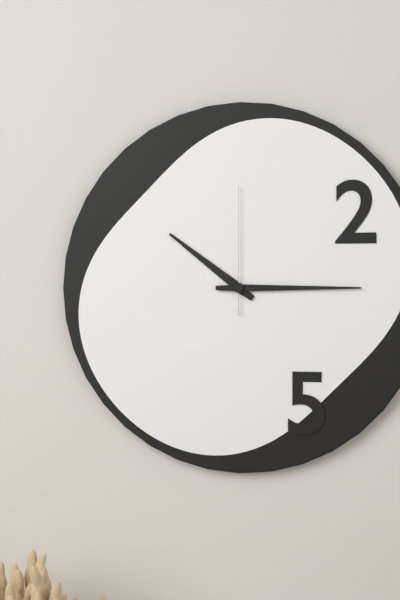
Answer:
{"hour": 10, "minute": 15, "second": 0}
